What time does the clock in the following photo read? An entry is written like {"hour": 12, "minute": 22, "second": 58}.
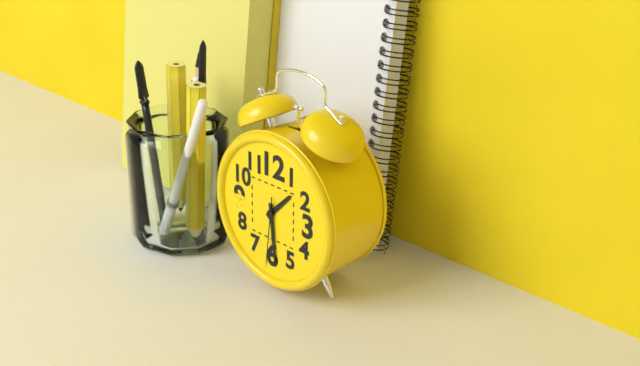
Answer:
{"hour": 1, "minute": 29, "second": 31}
